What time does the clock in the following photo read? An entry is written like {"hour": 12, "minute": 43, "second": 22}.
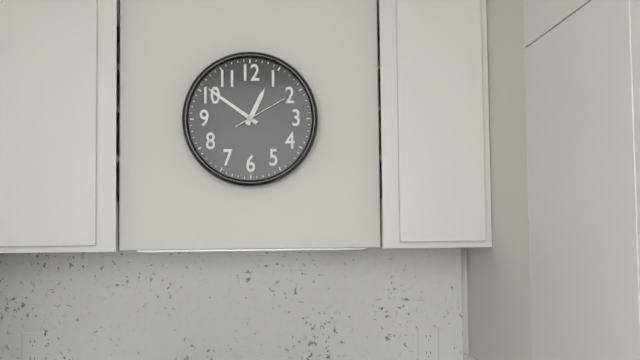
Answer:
{"hour": 12, "minute": 51, "second": 10}
